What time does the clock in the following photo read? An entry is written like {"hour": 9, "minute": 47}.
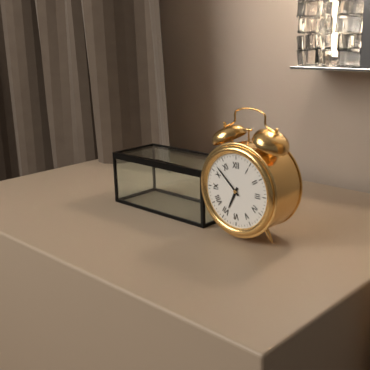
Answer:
{"hour": 6, "minute": 52}
